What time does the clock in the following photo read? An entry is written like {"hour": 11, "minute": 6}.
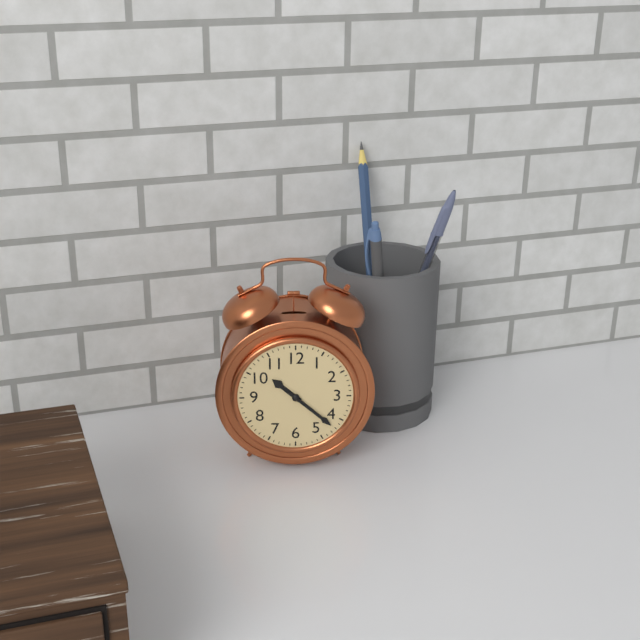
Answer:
{"hour": 10, "minute": 22}
